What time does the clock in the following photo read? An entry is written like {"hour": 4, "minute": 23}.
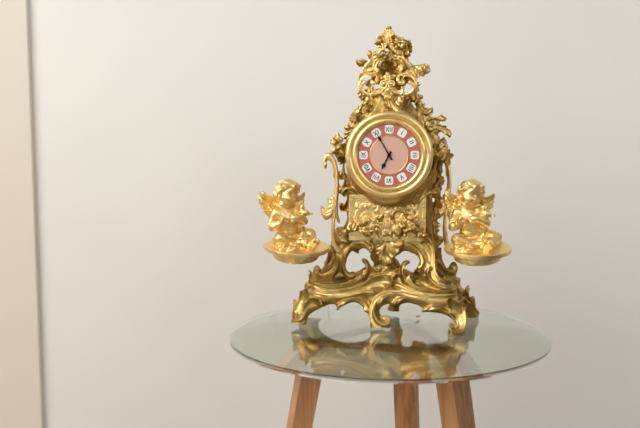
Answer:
{"hour": 6, "minute": 55}
